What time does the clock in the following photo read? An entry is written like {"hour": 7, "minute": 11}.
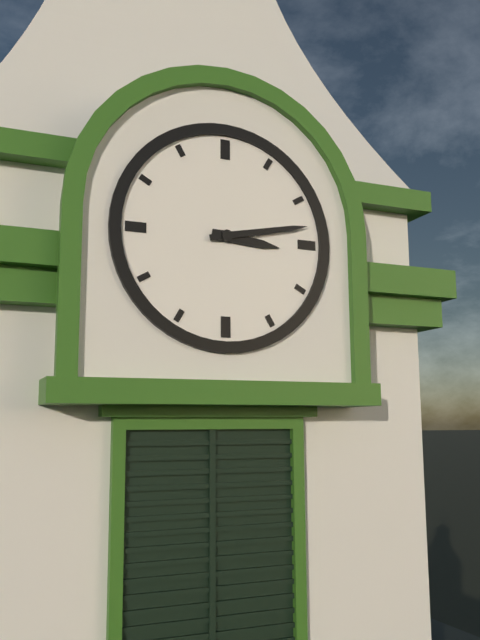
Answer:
{"hour": 3, "minute": 13}
